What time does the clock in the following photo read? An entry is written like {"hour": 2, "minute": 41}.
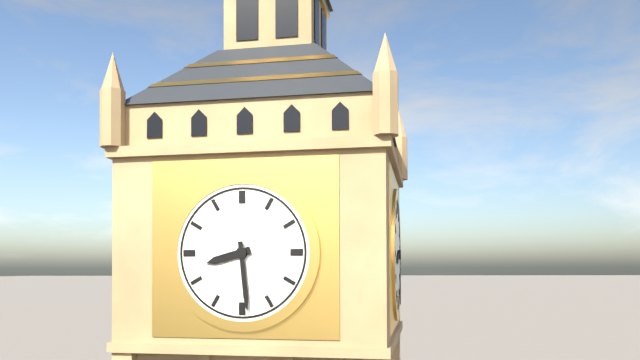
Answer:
{"hour": 8, "minute": 29}
